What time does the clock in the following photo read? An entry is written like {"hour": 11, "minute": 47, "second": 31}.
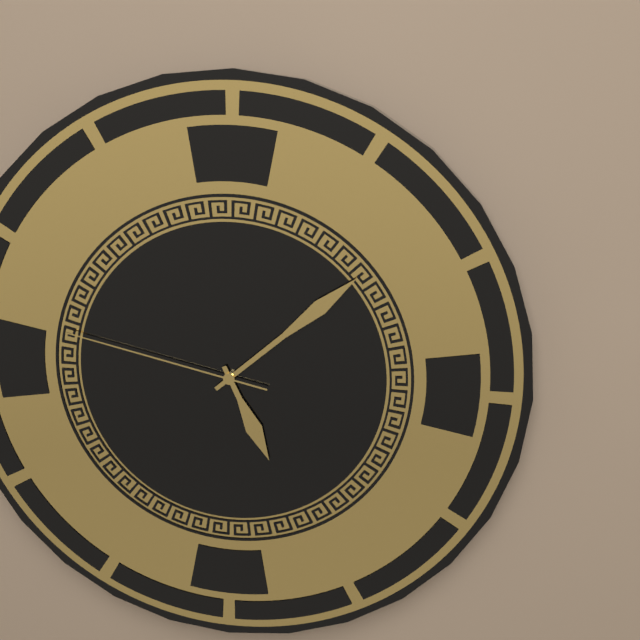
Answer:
{"hour": 5, "minute": 8, "second": 47}
